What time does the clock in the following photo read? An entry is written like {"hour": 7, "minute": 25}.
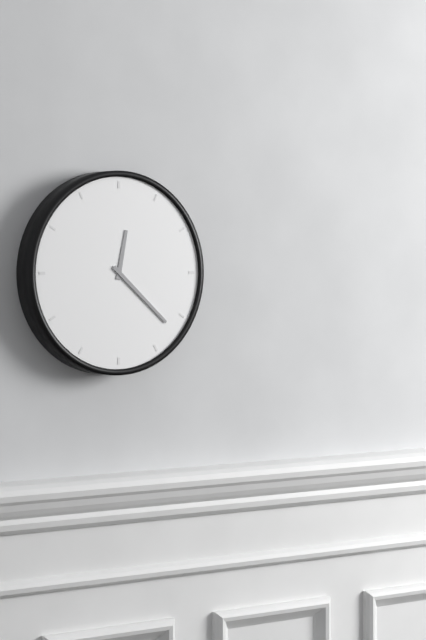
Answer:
{"hour": 12, "minute": 22}
